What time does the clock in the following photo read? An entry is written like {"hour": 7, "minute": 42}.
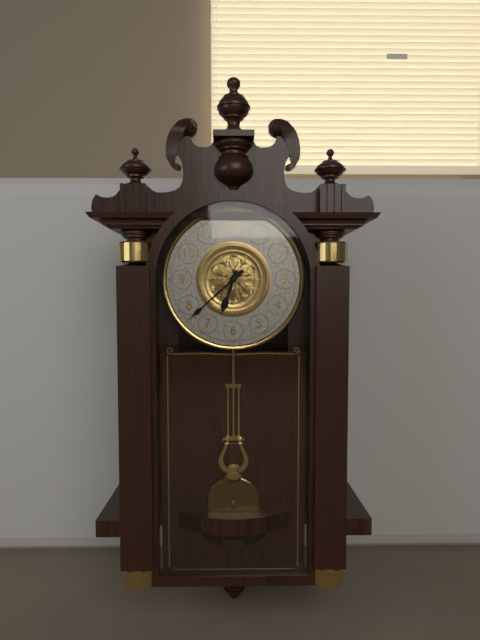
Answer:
{"hour": 6, "minute": 38}
